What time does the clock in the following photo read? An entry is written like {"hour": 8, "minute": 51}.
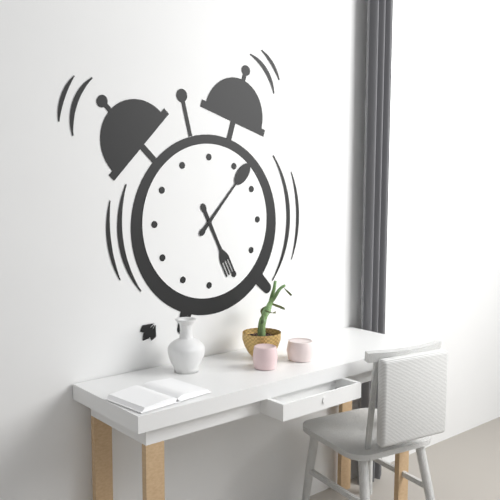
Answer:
{"hour": 5, "minute": 7}
